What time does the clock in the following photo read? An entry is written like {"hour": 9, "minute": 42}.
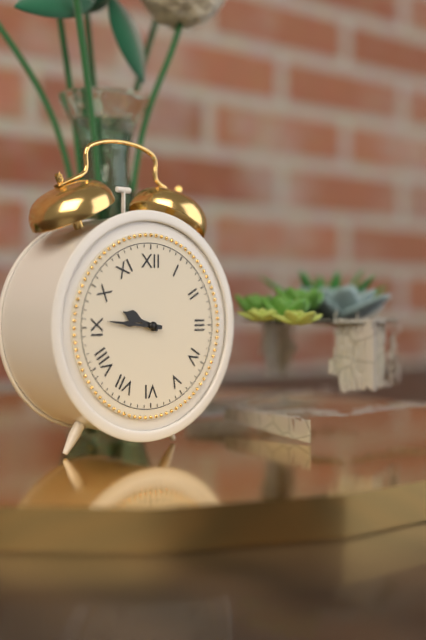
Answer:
{"hour": 9, "minute": 46}
